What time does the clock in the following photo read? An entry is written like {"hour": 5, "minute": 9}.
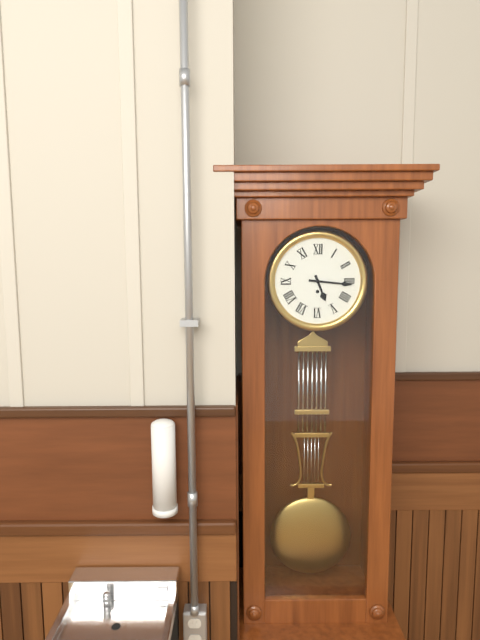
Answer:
{"hour": 5, "minute": 16}
